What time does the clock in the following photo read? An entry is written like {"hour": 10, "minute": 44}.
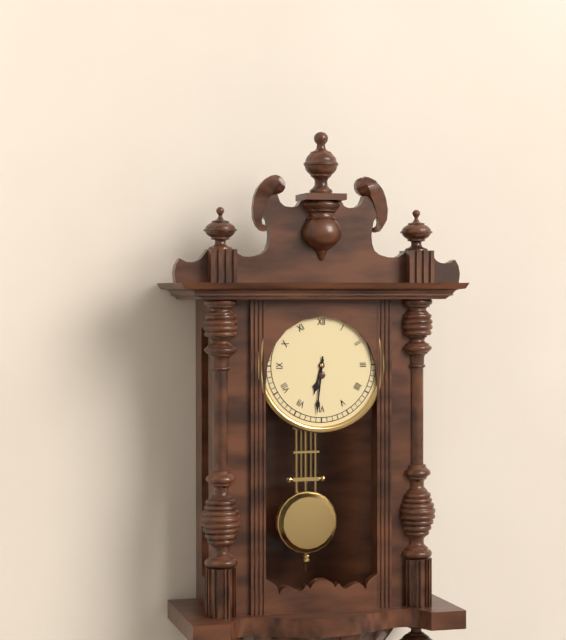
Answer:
{"hour": 6, "minute": 31}
